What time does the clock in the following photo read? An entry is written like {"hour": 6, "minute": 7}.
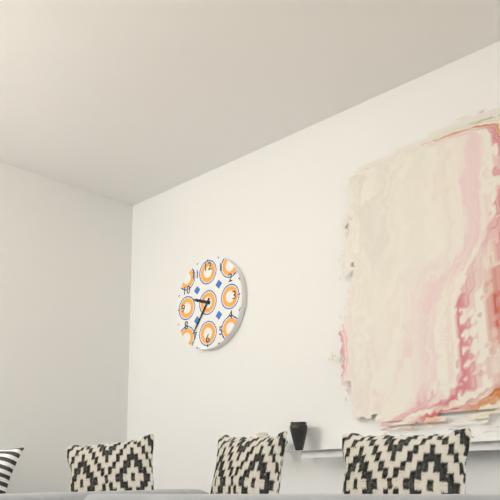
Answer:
{"hour": 9, "minute": 36}
